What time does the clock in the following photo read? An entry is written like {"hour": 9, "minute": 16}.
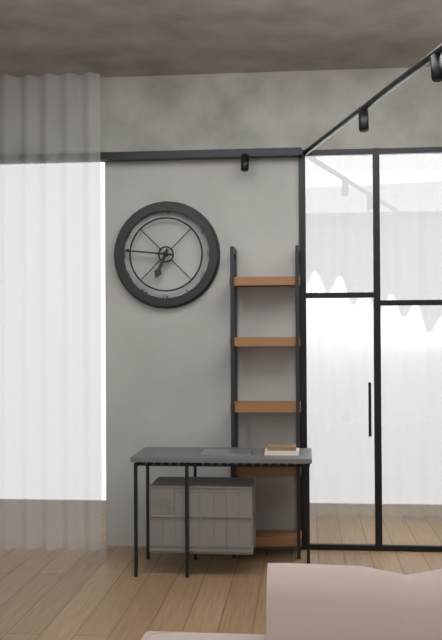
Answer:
{"hour": 6, "minute": 46}
